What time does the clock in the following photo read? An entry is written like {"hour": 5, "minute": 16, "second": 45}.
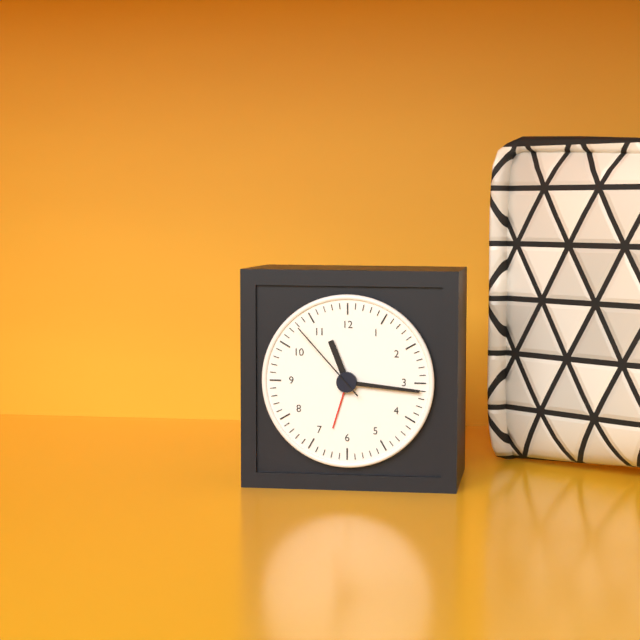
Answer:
{"hour": 11, "minute": 16, "second": 53}
